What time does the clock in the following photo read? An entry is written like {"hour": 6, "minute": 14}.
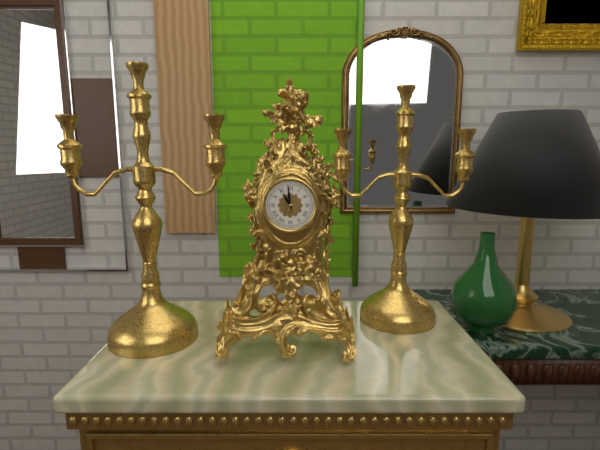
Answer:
{"hour": 10, "minute": 59}
